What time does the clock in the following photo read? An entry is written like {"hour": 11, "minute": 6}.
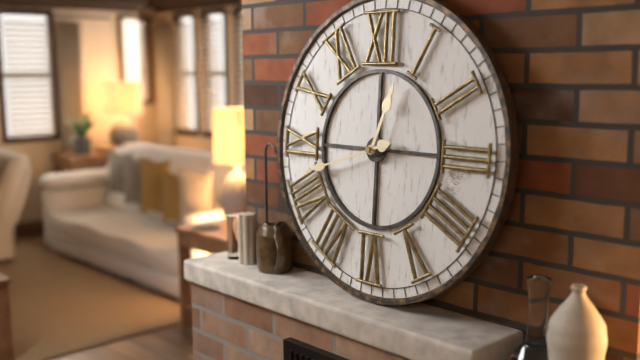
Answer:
{"hour": 12, "minute": 42}
